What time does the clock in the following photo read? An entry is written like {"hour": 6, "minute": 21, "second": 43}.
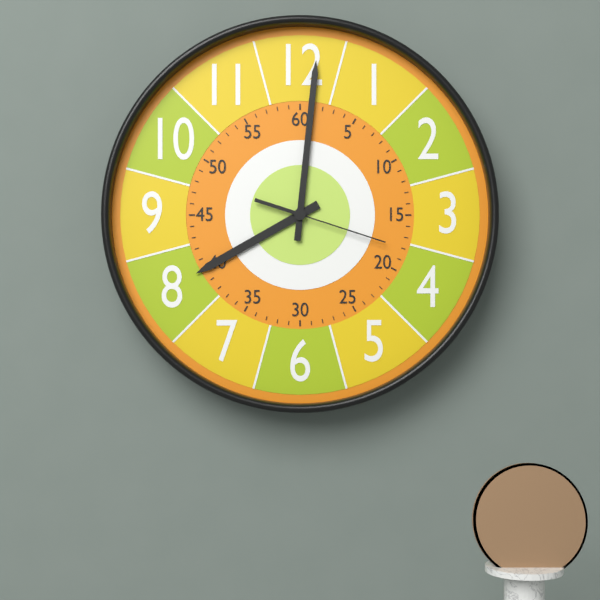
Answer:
{"hour": 8, "minute": 1, "second": 18}
